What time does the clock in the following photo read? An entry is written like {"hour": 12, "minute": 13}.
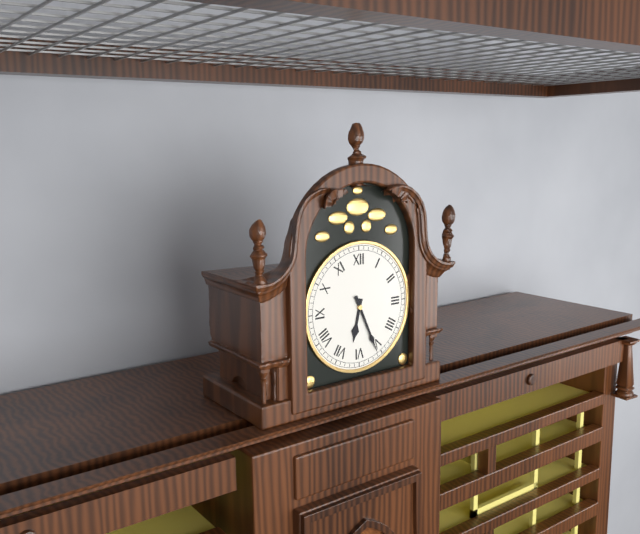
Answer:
{"hour": 6, "minute": 26}
